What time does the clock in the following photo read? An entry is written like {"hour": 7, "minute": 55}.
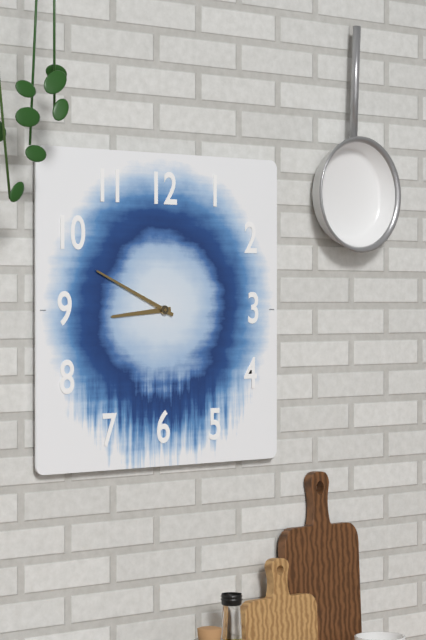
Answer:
{"hour": 8, "minute": 49}
